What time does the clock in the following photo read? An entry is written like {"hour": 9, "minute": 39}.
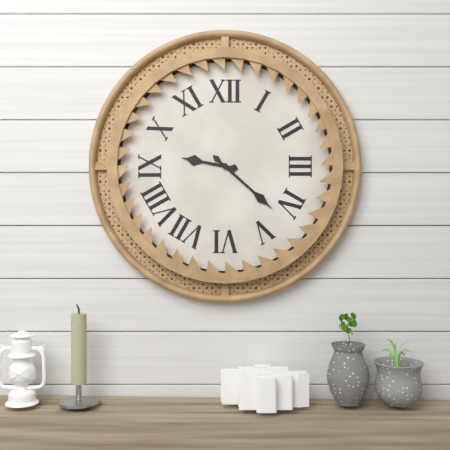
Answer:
{"hour": 9, "minute": 22}
